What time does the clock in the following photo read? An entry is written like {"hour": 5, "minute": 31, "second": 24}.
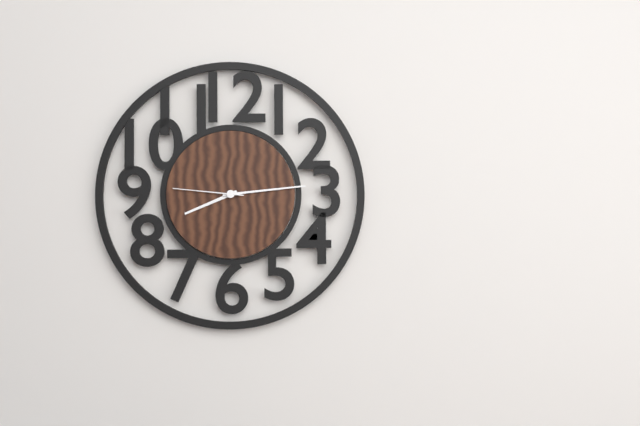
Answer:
{"hour": 8, "minute": 14, "second": 46}
